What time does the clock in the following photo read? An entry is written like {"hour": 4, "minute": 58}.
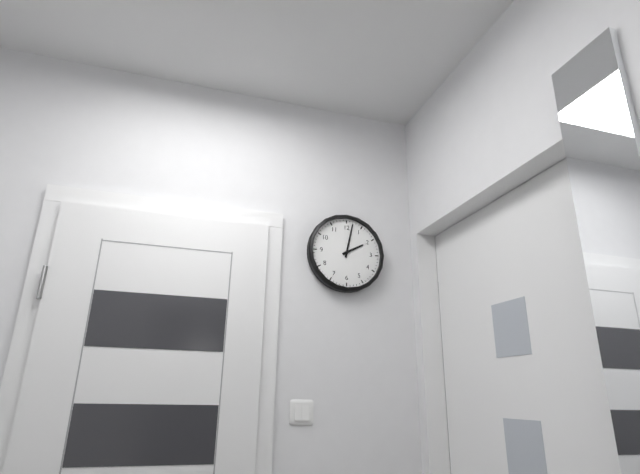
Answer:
{"hour": 2, "minute": 2}
